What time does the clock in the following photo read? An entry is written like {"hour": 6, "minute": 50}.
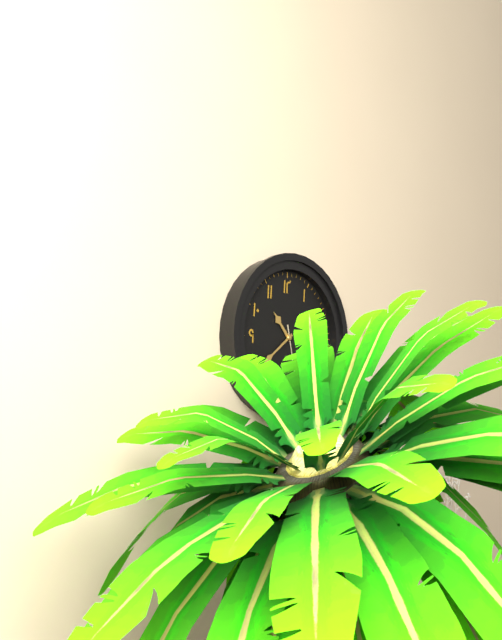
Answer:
{"hour": 10, "minute": 39}
